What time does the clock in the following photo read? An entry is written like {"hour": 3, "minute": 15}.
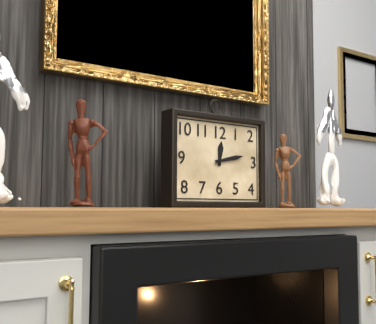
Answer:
{"hour": 12, "minute": 13}
